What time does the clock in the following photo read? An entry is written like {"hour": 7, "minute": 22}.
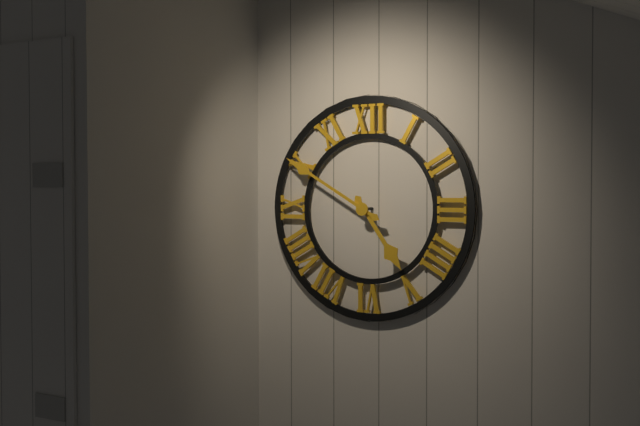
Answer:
{"hour": 4, "minute": 50}
